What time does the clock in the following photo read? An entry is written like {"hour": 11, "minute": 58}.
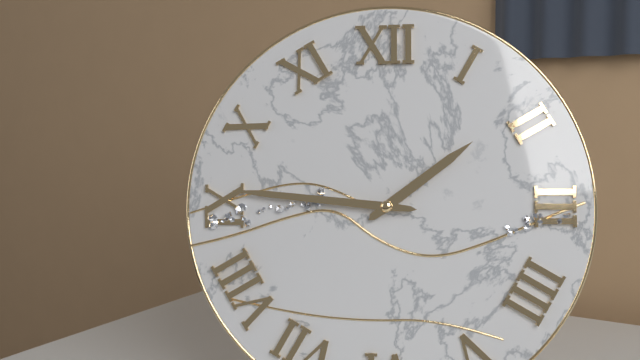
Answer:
{"hour": 1, "minute": 46}
